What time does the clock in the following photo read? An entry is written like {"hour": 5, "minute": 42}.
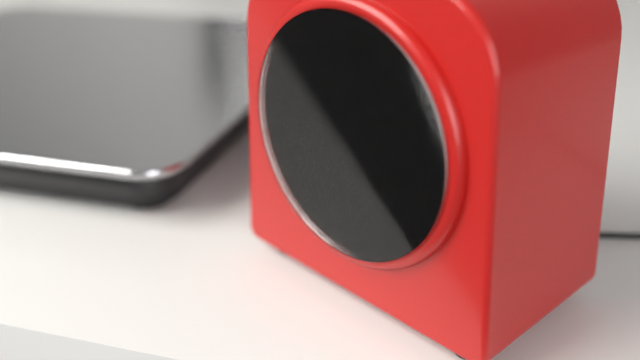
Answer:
{"hour": 11, "minute": 13}
